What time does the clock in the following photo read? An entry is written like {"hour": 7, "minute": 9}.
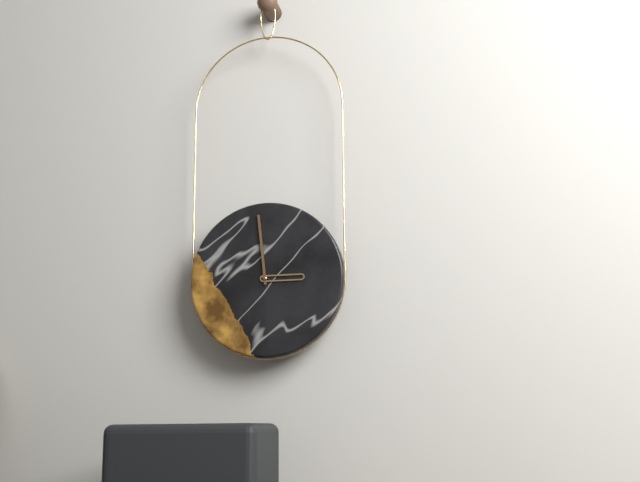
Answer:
{"hour": 2, "minute": 59}
